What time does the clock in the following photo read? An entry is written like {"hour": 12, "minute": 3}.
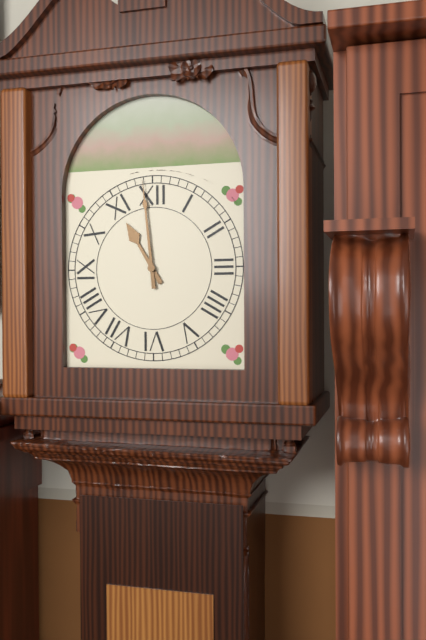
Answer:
{"hour": 10, "minute": 59}
